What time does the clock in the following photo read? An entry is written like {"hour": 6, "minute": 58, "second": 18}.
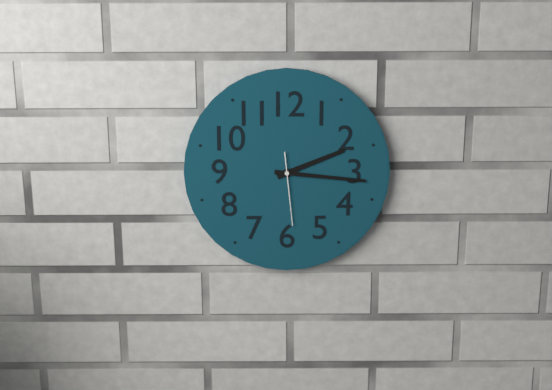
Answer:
{"hour": 2, "minute": 16, "second": 29}
